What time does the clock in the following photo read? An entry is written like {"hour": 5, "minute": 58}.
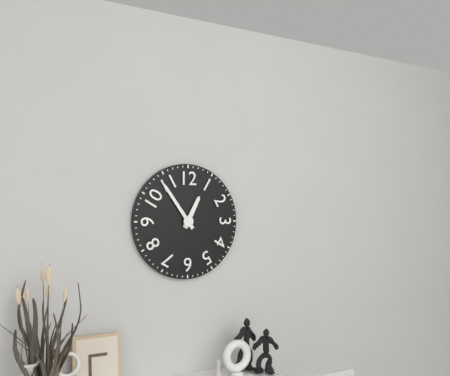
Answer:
{"hour": 12, "minute": 54}
